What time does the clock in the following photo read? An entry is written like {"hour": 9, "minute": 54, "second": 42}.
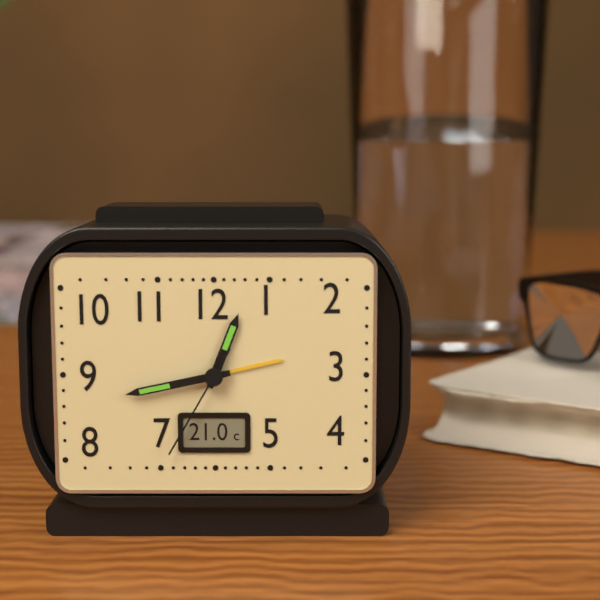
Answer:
{"hour": 12, "minute": 43, "second": 35}
